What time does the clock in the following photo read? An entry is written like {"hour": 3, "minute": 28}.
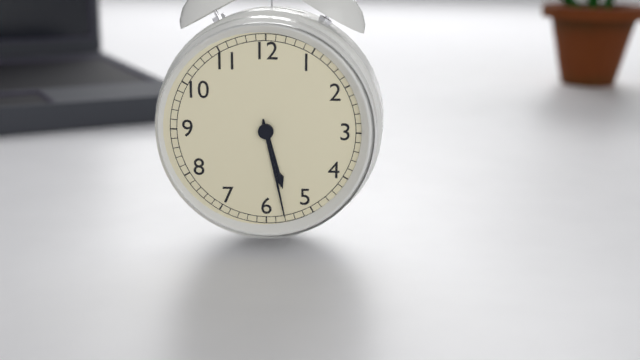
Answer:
{"hour": 5, "minute": 28}
